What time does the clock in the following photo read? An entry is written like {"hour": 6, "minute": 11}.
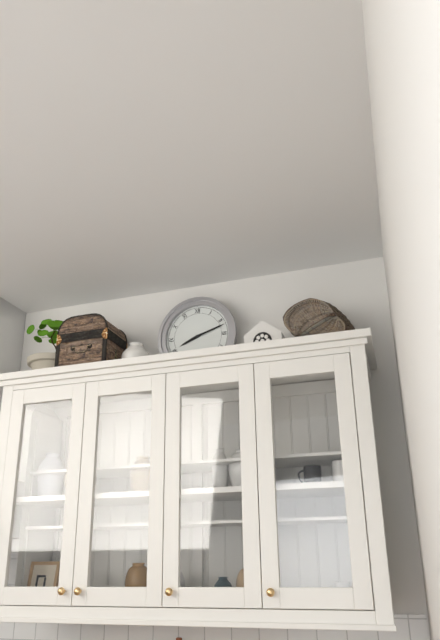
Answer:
{"hour": 8, "minute": 12}
